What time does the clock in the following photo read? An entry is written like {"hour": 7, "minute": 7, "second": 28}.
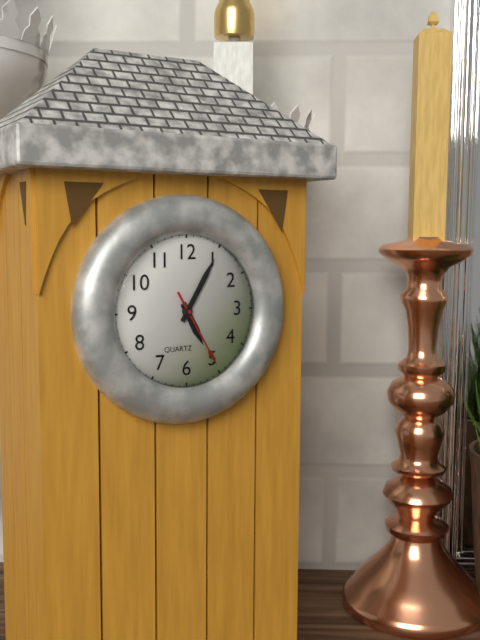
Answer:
{"hour": 5, "minute": 5, "second": 25}
